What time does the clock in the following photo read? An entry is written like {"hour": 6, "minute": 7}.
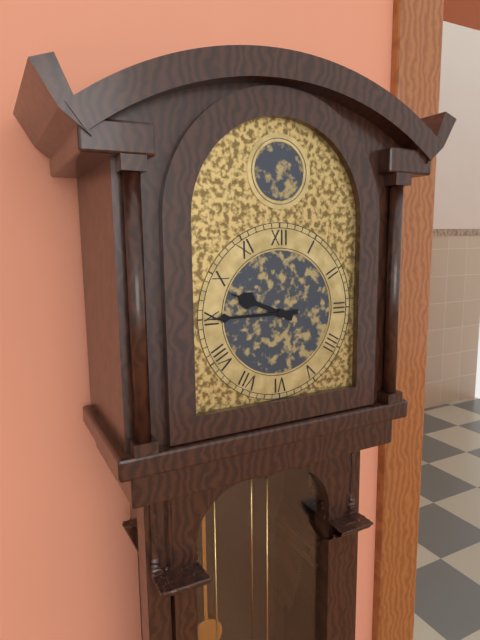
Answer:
{"hour": 9, "minute": 45}
